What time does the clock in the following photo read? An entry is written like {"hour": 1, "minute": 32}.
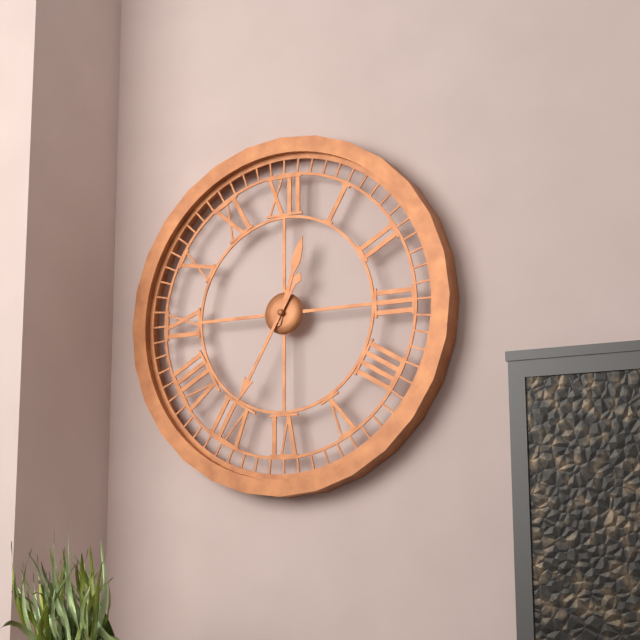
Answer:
{"hour": 12, "minute": 35}
